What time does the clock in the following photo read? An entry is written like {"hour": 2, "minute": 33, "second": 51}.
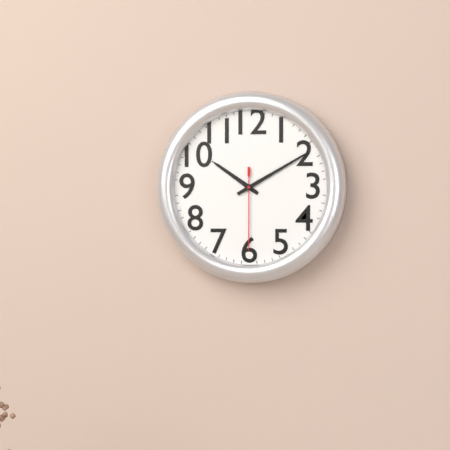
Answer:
{"hour": 10, "minute": 10, "second": 30}
